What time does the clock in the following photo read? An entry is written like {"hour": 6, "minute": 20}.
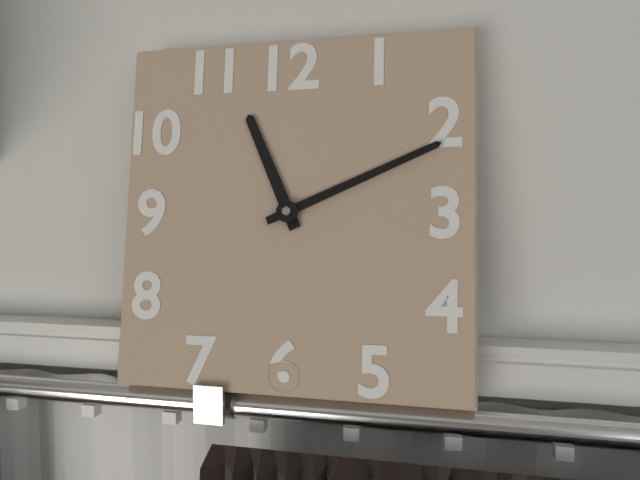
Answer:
{"hour": 11, "minute": 11}
